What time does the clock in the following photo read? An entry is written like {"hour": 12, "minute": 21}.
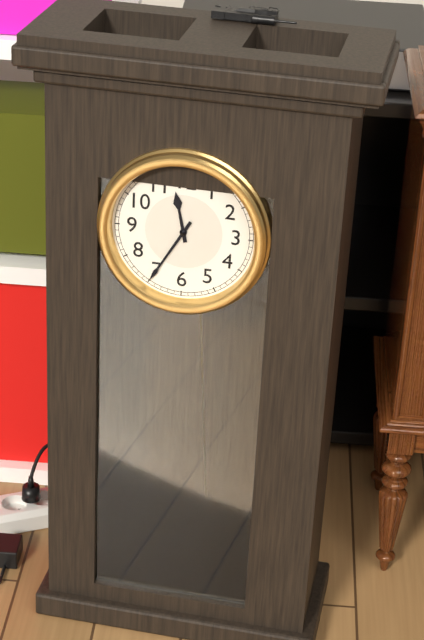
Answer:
{"hour": 11, "minute": 35}
